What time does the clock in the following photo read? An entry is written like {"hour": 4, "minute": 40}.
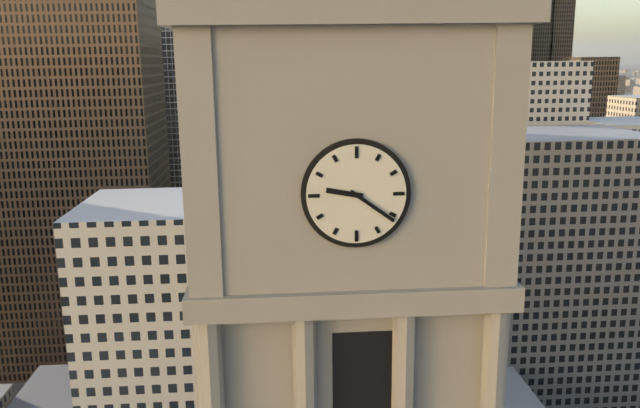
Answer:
{"hour": 9, "minute": 21}
